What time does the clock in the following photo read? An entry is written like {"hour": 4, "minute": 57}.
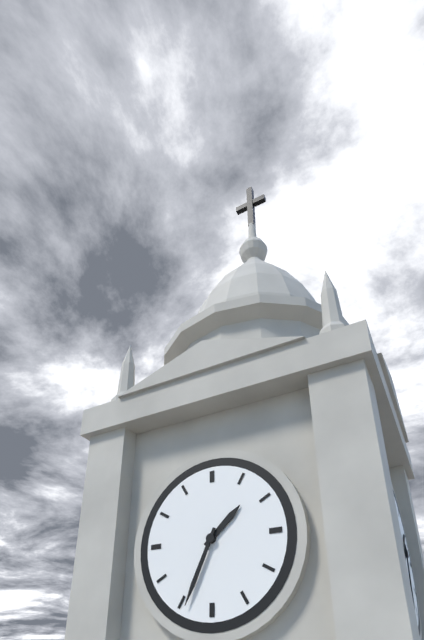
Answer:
{"hour": 1, "minute": 34}
